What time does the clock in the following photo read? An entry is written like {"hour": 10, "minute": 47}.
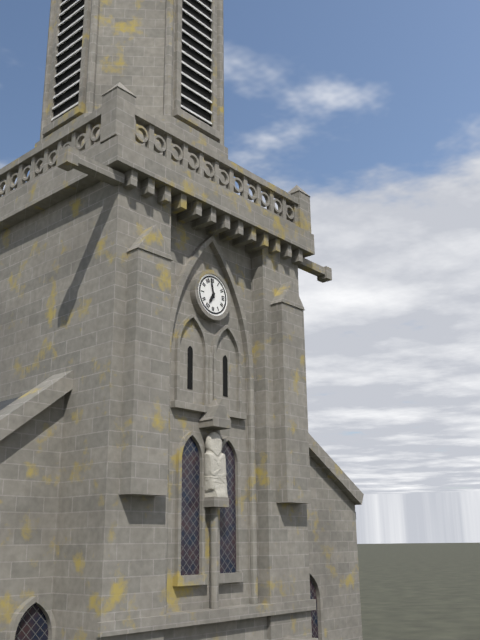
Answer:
{"hour": 6, "minute": 58}
